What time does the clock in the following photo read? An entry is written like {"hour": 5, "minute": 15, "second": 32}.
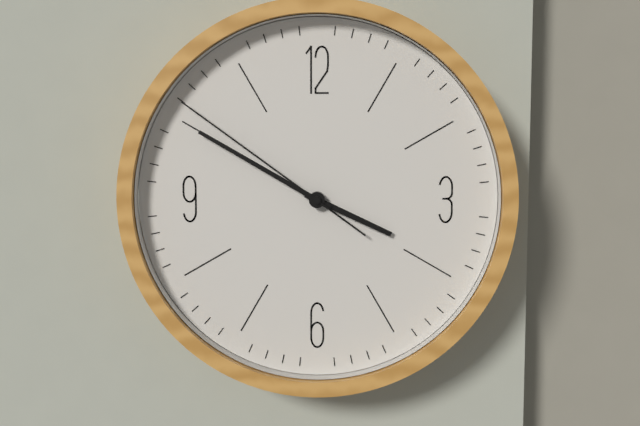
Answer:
{"hour": 3, "minute": 50, "second": 51}
